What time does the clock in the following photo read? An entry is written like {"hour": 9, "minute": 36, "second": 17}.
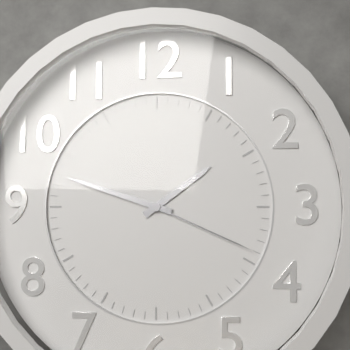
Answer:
{"hour": 1, "minute": 48, "second": 19}
